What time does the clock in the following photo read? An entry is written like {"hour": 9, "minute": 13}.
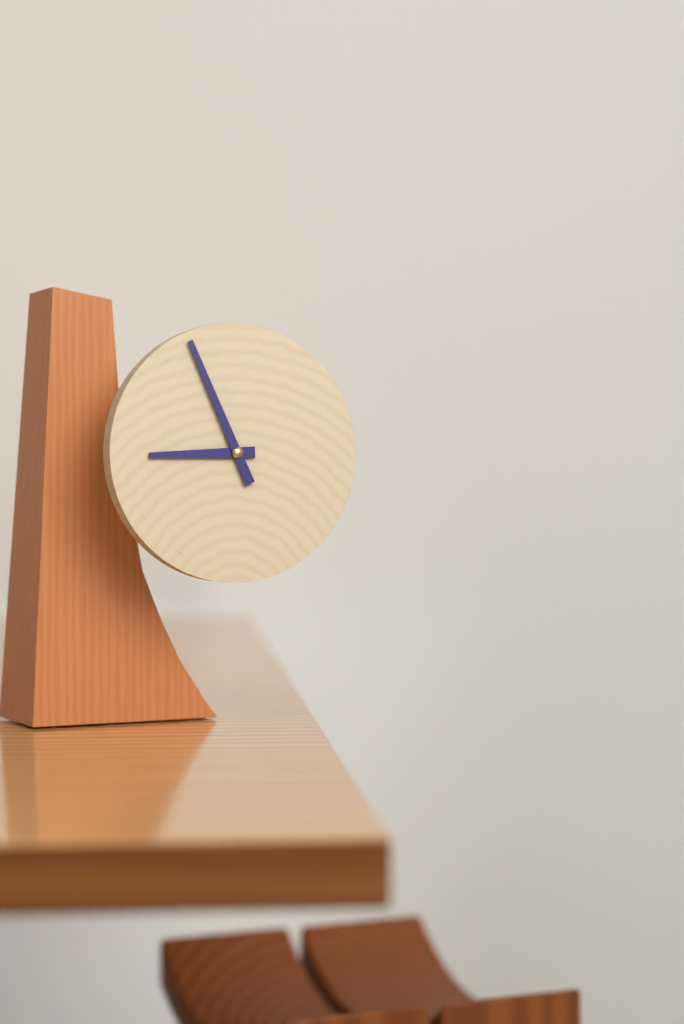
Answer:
{"hour": 8, "minute": 56}
